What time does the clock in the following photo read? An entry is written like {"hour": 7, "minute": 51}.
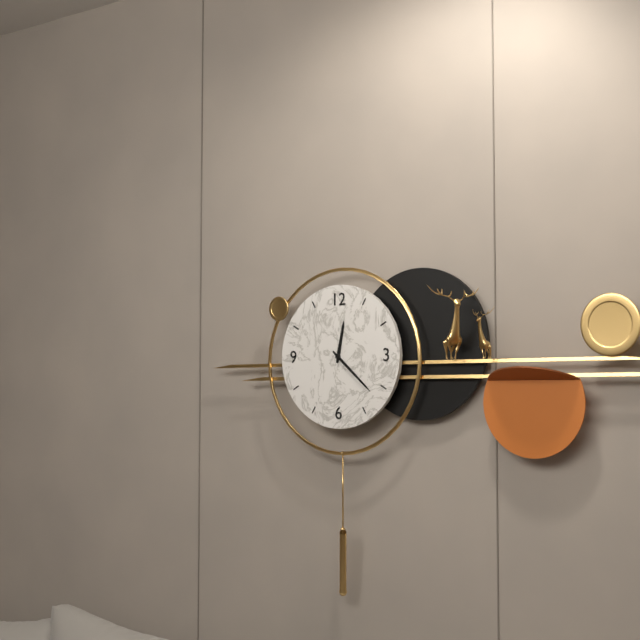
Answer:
{"hour": 12, "minute": 22}
